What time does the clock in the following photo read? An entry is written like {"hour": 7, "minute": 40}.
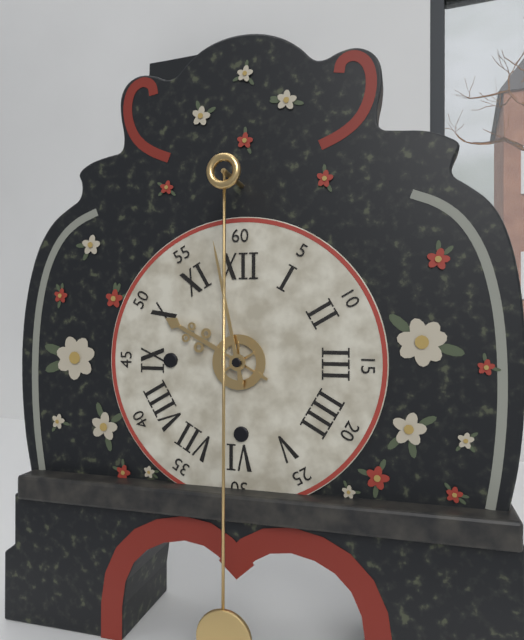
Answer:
{"hour": 9, "minute": 58}
